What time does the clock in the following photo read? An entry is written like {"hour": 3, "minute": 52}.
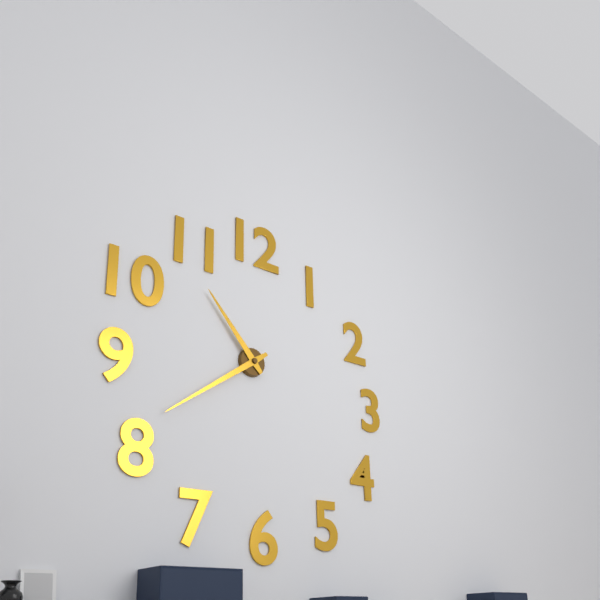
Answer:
{"hour": 10, "minute": 39}
